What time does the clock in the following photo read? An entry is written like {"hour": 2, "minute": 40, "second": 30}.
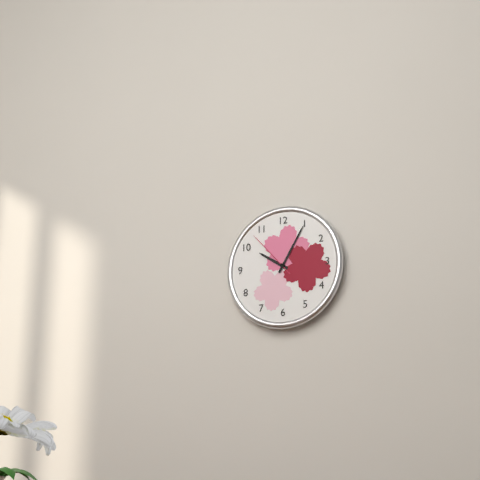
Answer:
{"hour": 10, "minute": 5, "second": 53}
